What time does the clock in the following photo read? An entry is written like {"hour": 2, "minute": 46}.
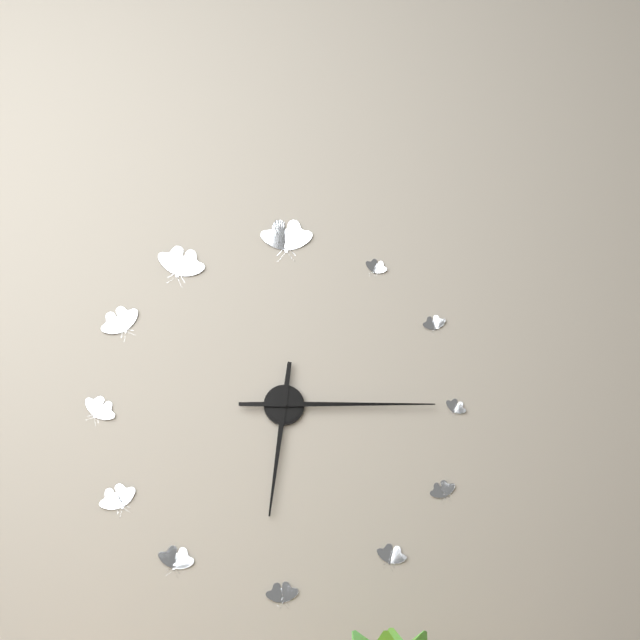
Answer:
{"hour": 6, "minute": 15}
